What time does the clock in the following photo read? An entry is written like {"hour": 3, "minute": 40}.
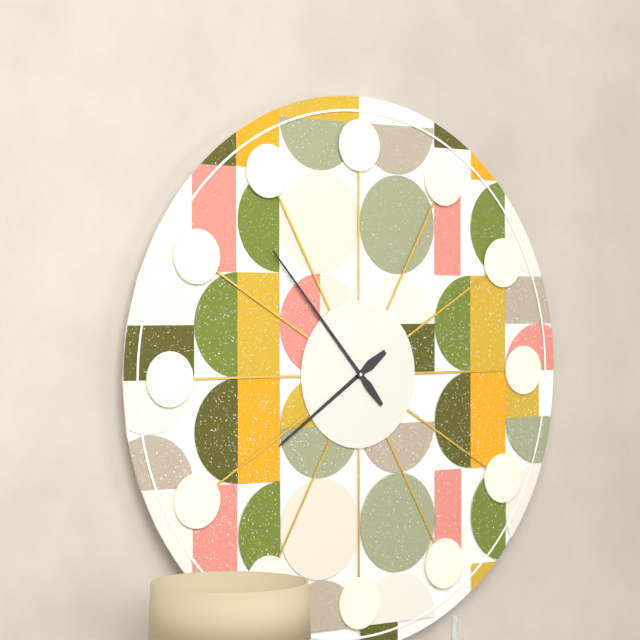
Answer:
{"hour": 7, "minute": 53}
